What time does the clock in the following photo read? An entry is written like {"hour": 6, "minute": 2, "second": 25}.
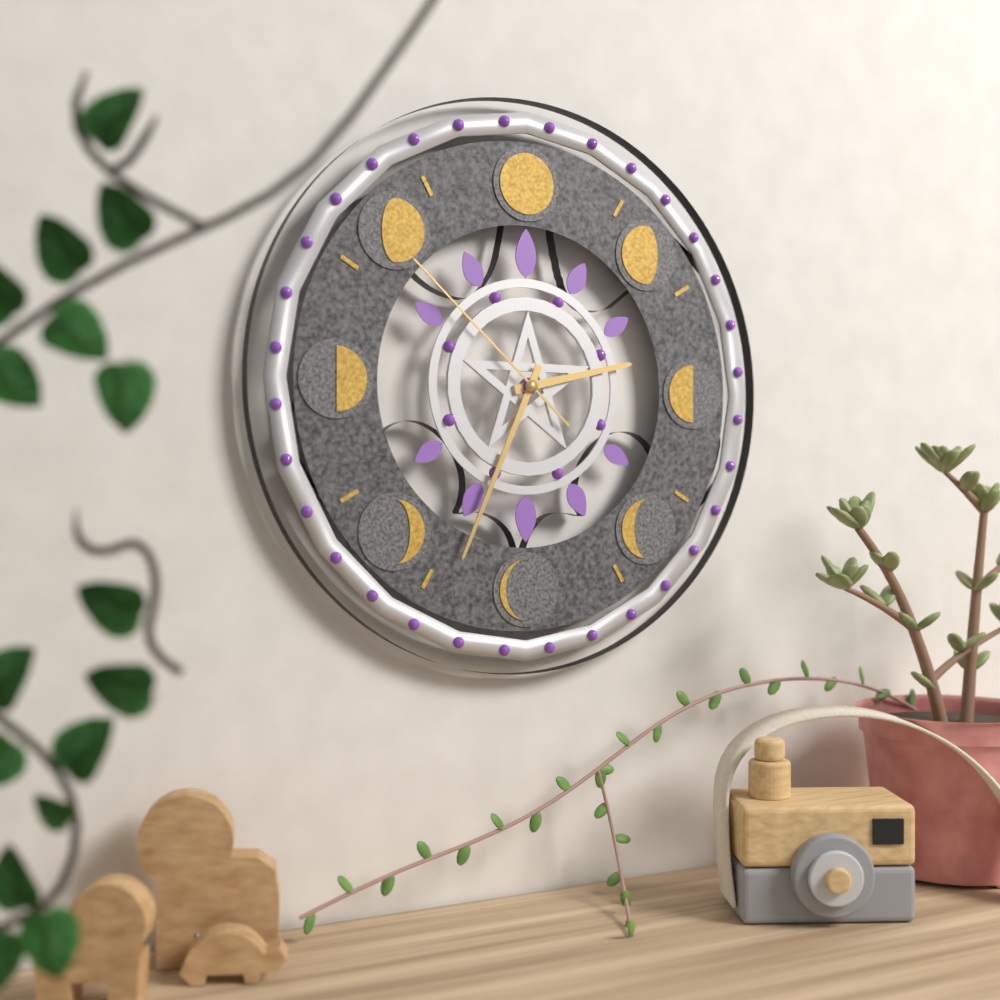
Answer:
{"hour": 2, "minute": 34, "second": 52}
